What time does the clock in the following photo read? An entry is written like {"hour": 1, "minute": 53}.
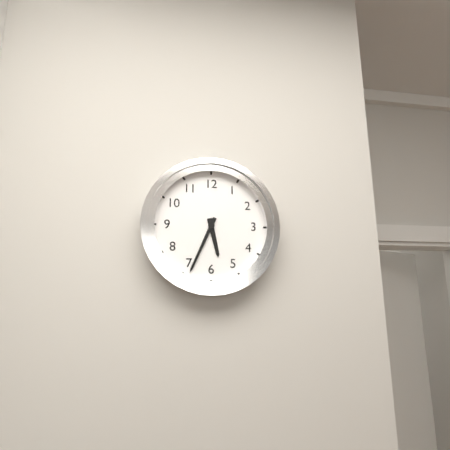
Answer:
{"hour": 5, "minute": 34}
